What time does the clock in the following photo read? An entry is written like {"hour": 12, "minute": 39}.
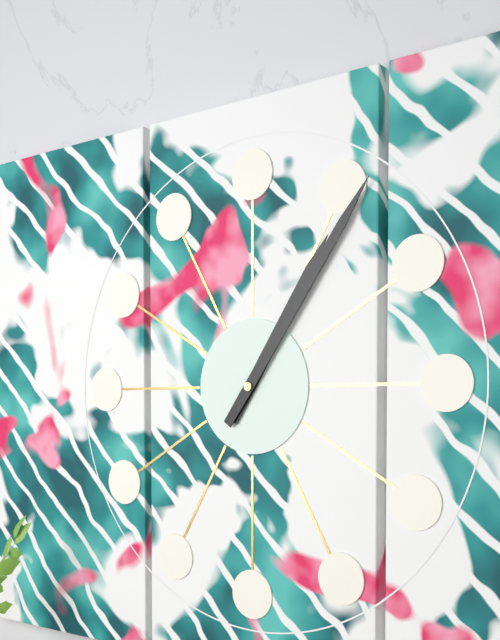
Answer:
{"hour": 1, "minute": 6}
